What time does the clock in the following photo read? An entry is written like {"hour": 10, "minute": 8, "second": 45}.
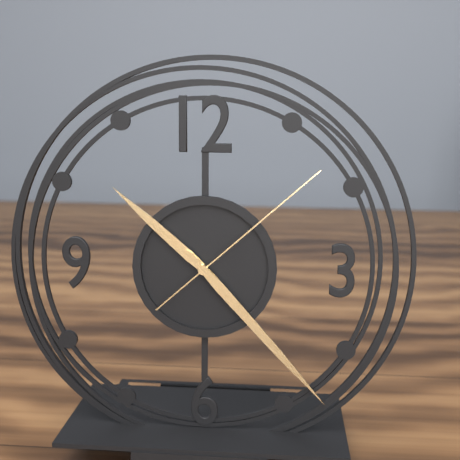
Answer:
{"hour": 10, "minute": 23, "second": 8}
